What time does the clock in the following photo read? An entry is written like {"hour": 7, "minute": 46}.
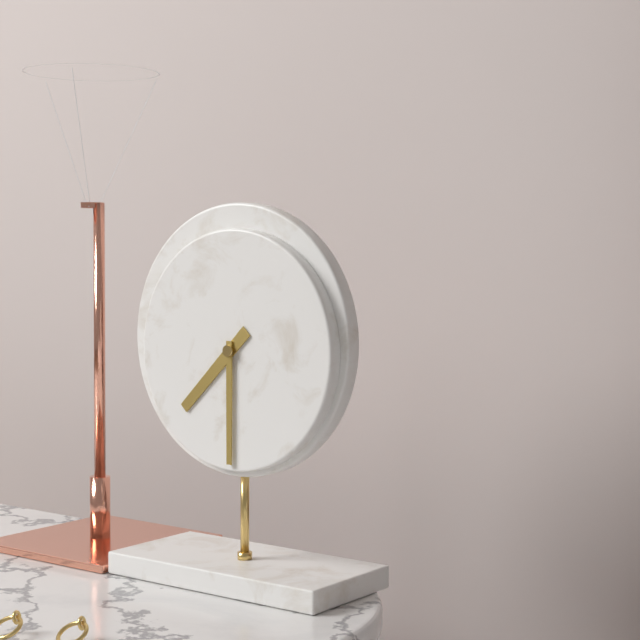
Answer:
{"hour": 7, "minute": 30}
